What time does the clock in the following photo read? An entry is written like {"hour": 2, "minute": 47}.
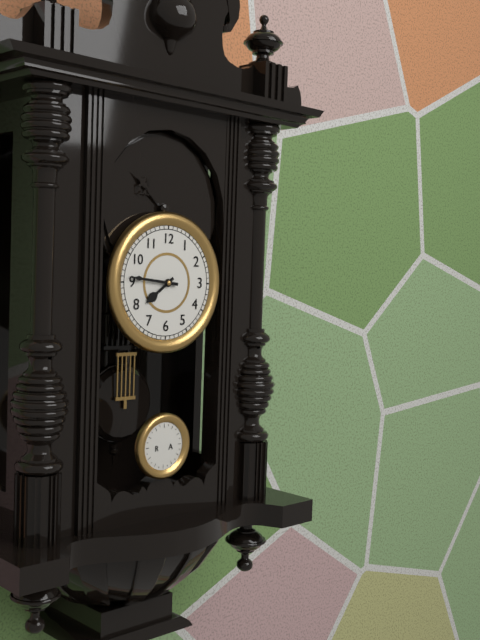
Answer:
{"hour": 7, "minute": 46}
